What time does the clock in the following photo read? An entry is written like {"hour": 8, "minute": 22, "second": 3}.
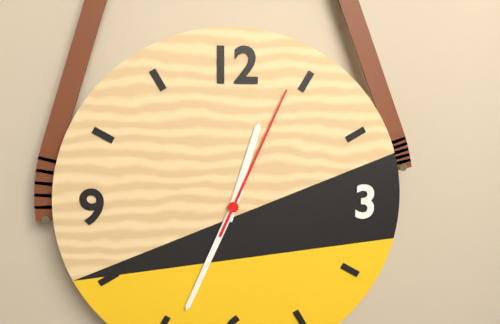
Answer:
{"hour": 12, "minute": 34, "second": 4}
